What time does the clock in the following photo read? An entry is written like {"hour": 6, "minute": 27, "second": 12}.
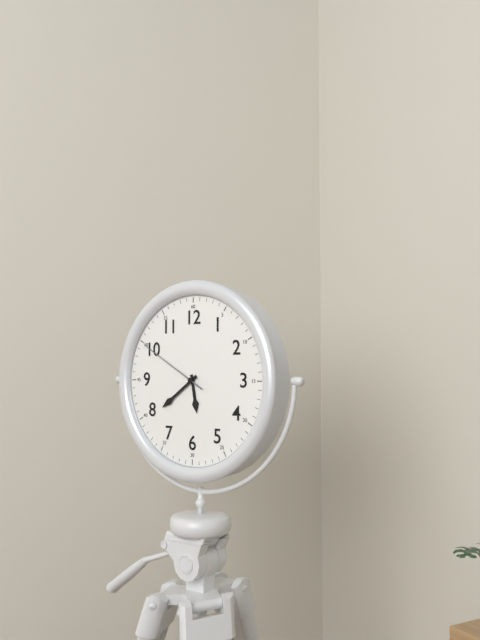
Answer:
{"hour": 5, "minute": 39, "second": 50}
